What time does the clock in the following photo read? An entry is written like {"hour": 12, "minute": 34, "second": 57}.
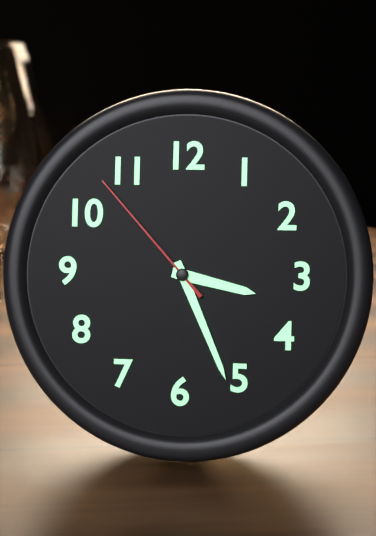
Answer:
{"hour": 3, "minute": 26, "second": 53}
